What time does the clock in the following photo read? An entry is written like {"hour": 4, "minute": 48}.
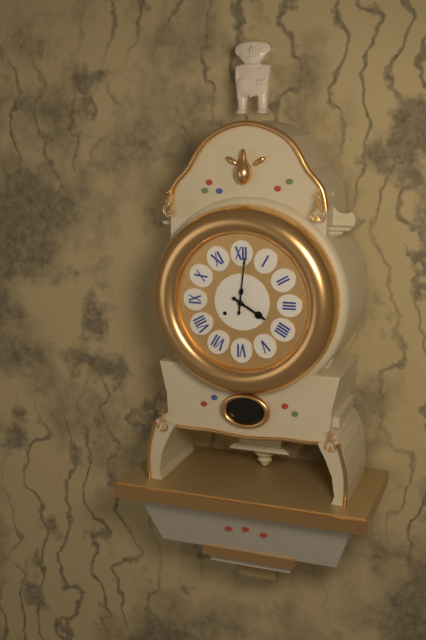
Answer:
{"hour": 4, "minute": 1}
